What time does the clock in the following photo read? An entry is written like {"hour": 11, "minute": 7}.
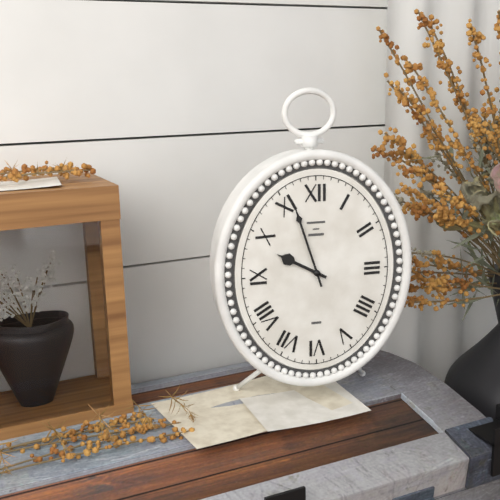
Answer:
{"hour": 9, "minute": 57}
